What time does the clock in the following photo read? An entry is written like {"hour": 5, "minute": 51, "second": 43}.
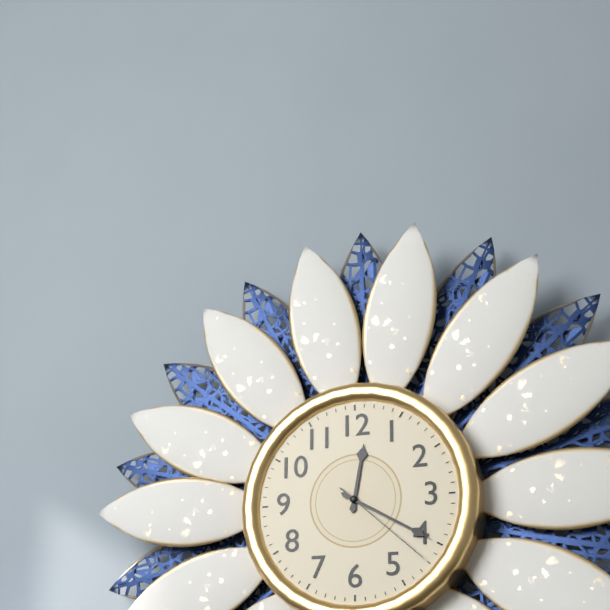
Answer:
{"hour": 12, "minute": 20, "second": 22}
